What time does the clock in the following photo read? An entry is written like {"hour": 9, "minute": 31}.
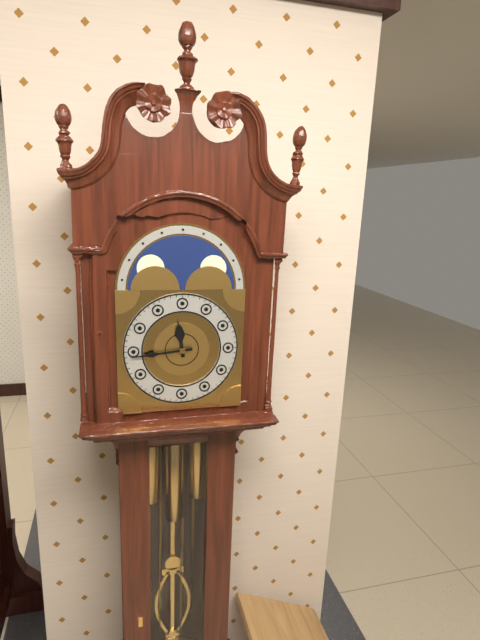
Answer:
{"hour": 11, "minute": 44}
